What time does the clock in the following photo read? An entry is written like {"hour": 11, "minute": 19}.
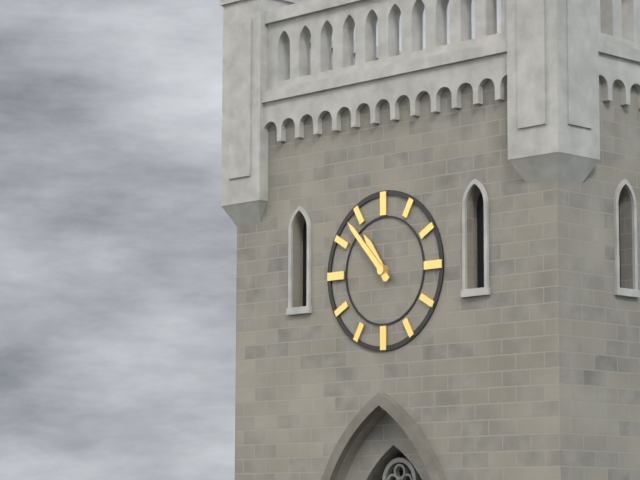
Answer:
{"hour": 10, "minute": 53}
